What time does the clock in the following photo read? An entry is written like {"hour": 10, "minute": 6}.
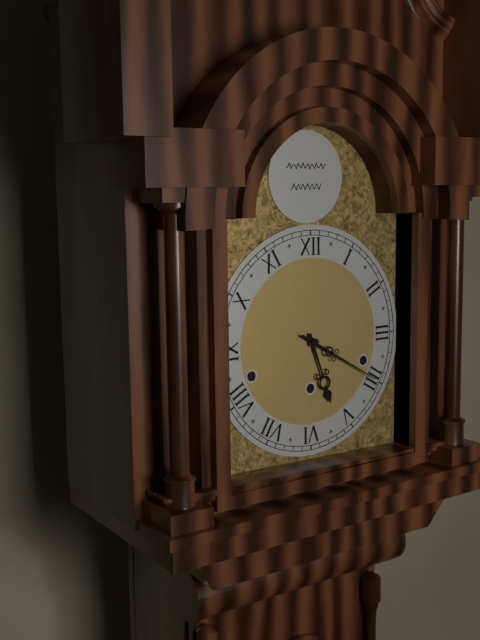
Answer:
{"hour": 5, "minute": 20}
